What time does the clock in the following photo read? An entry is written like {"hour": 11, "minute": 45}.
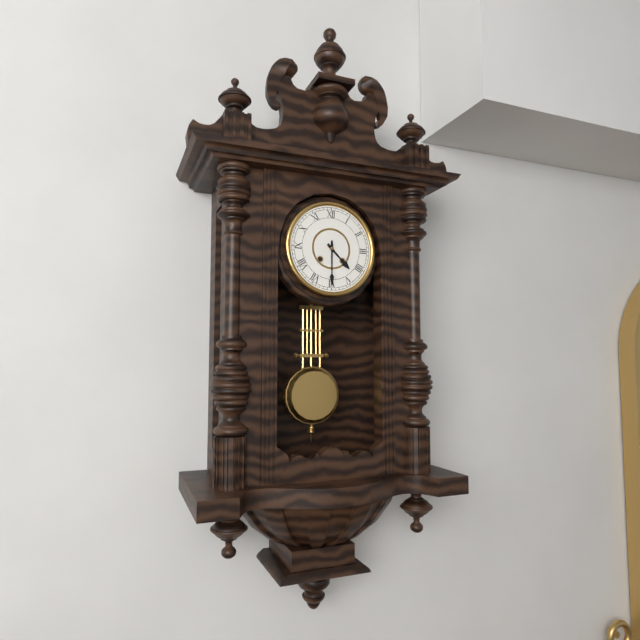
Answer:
{"hour": 4, "minute": 30}
